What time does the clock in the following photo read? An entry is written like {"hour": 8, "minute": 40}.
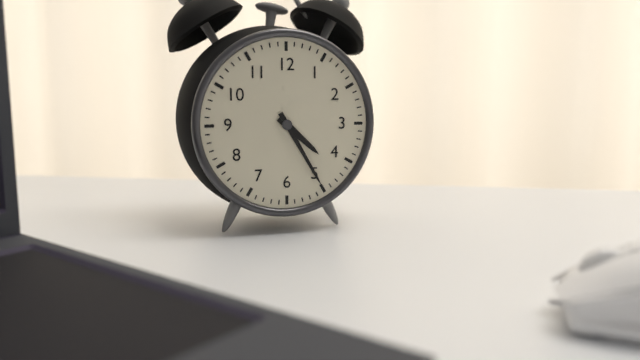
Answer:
{"hour": 4, "minute": 25}
